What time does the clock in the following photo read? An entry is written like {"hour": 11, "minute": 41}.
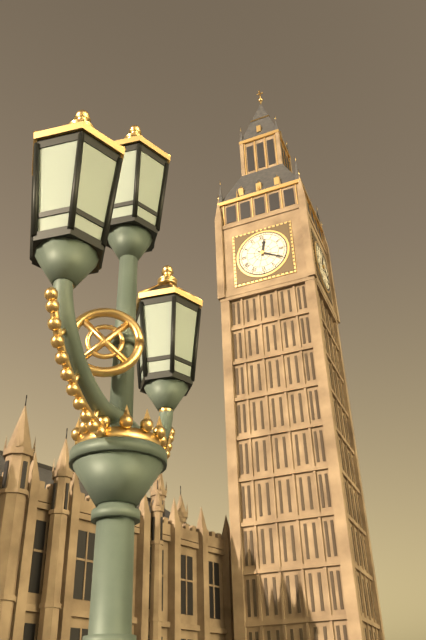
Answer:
{"hour": 12, "minute": 20}
